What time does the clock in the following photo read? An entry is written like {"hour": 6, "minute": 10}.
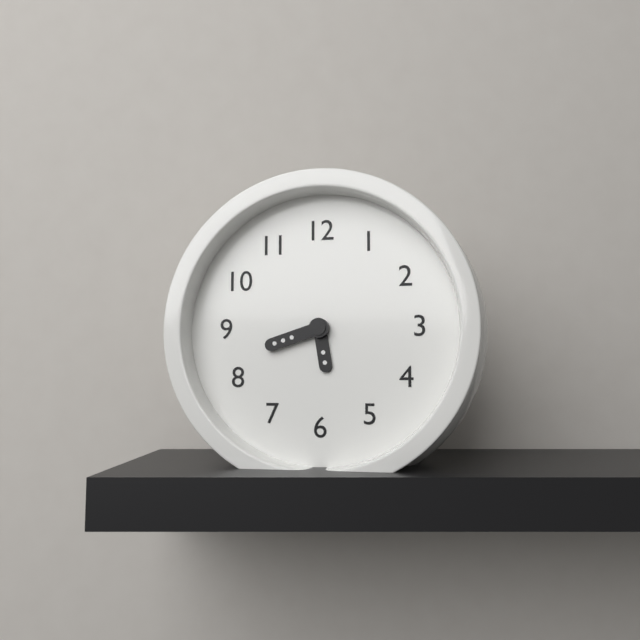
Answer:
{"hour": 5, "minute": 42}
